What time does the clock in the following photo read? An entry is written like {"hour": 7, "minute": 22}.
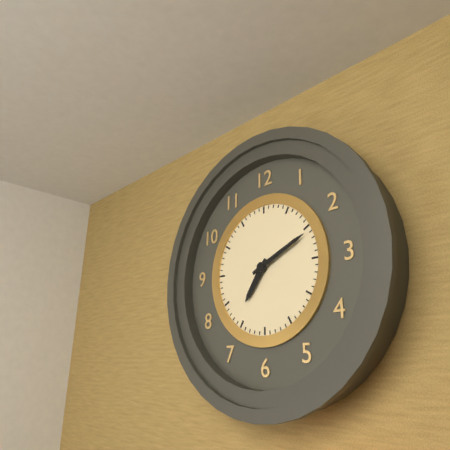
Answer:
{"hour": 7, "minute": 11}
